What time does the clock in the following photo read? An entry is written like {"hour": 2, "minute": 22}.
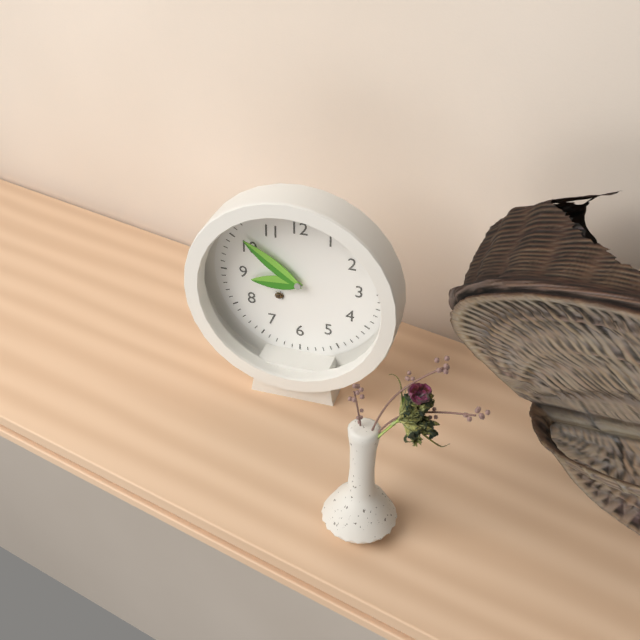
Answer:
{"hour": 8, "minute": 51}
